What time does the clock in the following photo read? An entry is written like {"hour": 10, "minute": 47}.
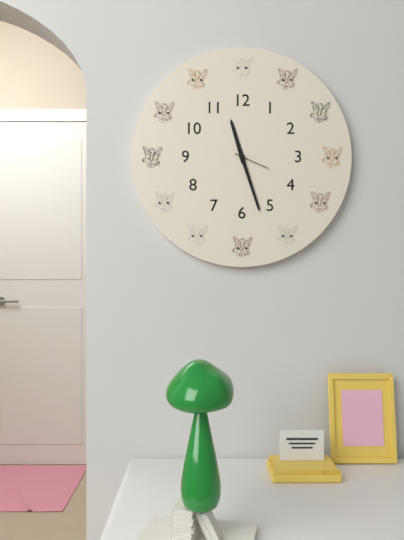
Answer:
{"hour": 11, "minute": 27}
